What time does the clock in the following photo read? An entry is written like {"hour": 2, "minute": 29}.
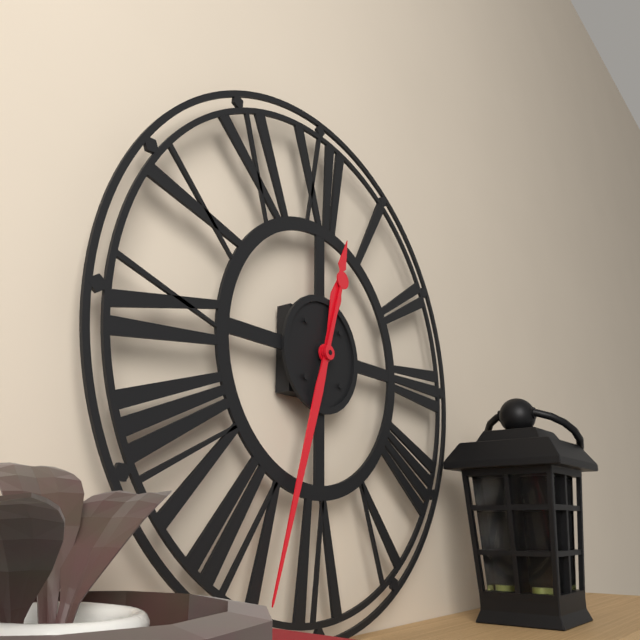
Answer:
{"hour": 12, "minute": 33}
